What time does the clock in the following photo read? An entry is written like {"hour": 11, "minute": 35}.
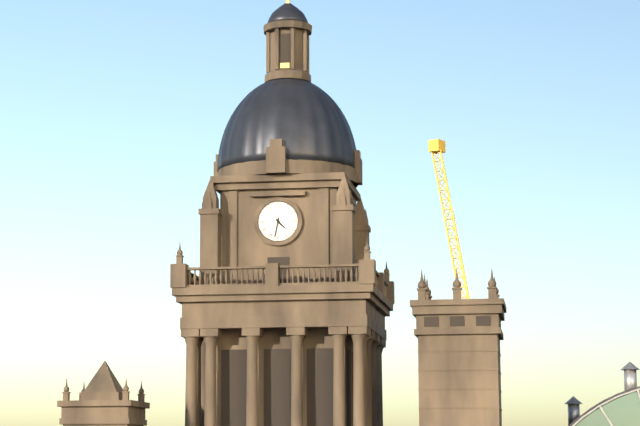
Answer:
{"hour": 4, "minute": 32}
